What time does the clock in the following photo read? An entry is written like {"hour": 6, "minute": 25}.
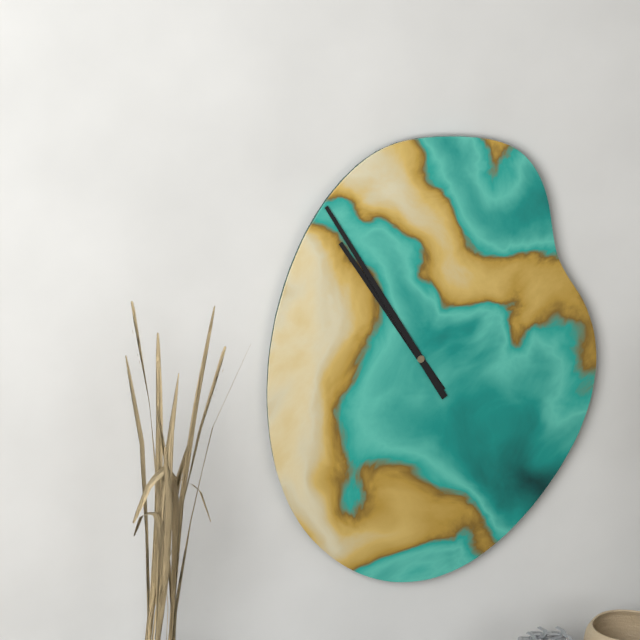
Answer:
{"hour": 10, "minute": 55}
